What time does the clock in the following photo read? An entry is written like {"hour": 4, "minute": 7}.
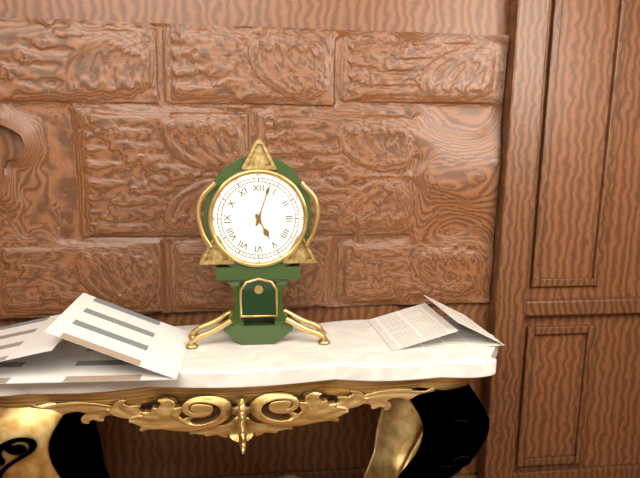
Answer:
{"hour": 5, "minute": 3}
